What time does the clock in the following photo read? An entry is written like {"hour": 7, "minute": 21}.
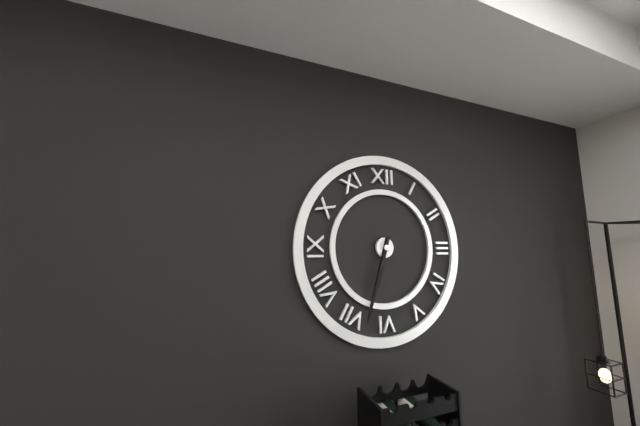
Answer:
{"hour": 6, "minute": 33}
